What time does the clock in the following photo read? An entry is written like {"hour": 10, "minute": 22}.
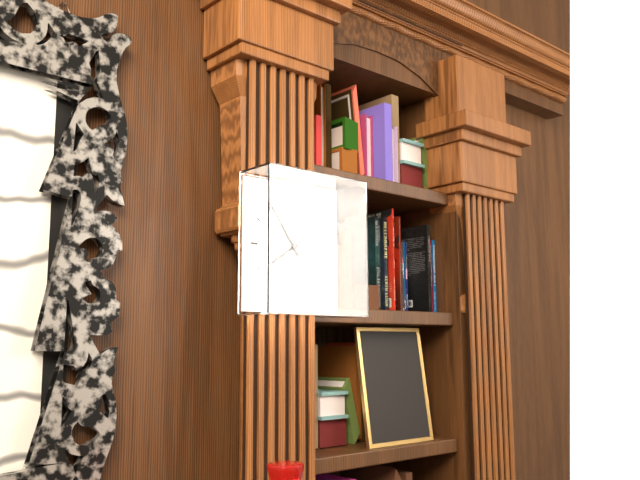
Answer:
{"hour": 7, "minute": 54}
